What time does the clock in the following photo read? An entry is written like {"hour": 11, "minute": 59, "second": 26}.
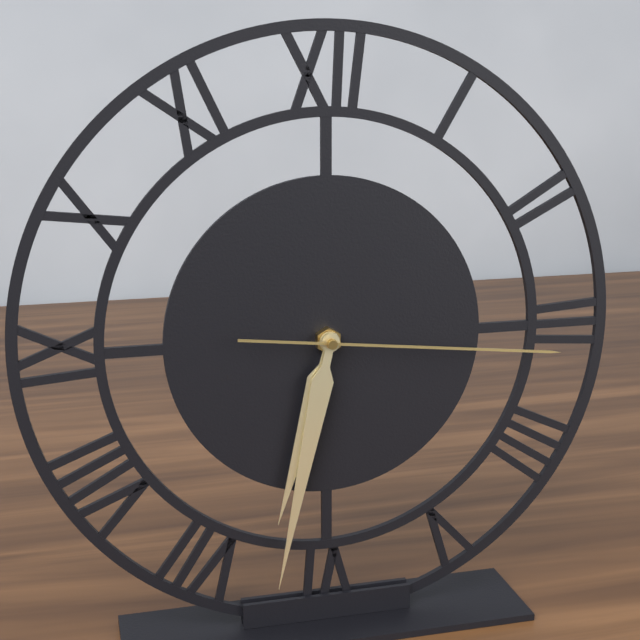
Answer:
{"hour": 6, "minute": 32, "second": 16}
